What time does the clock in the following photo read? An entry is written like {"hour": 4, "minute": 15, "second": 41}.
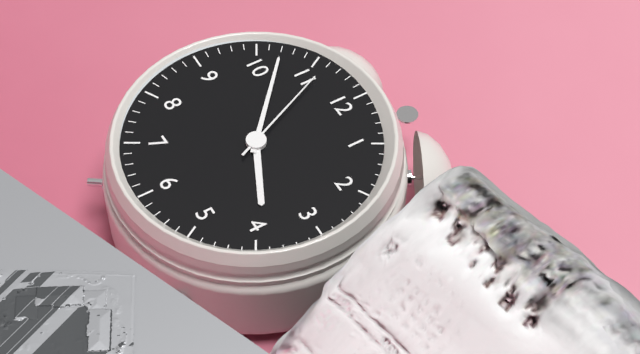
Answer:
{"hour": 3, "minute": 52, "second": 56}
